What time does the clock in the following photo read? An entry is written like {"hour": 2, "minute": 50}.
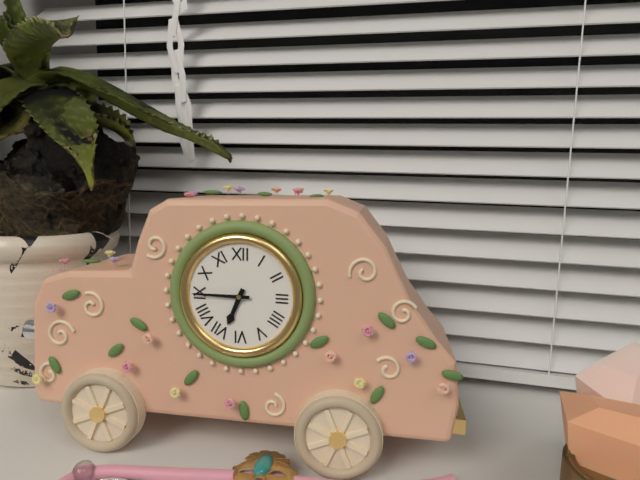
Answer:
{"hour": 6, "minute": 45}
